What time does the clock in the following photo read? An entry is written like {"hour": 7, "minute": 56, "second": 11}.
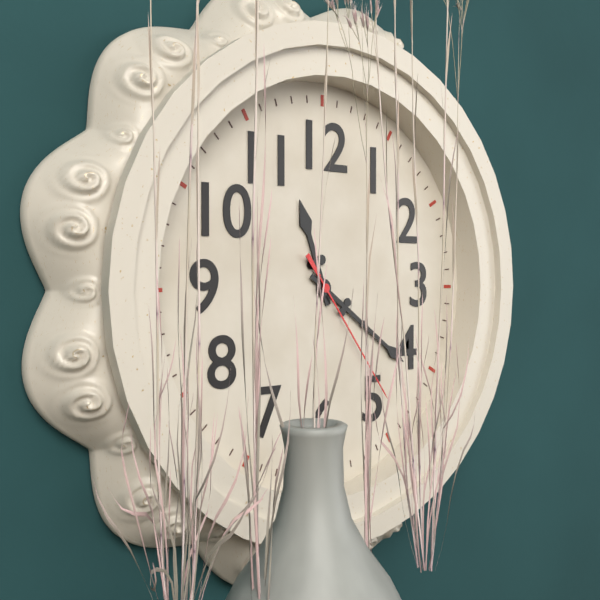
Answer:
{"hour": 11, "minute": 21, "second": 24}
